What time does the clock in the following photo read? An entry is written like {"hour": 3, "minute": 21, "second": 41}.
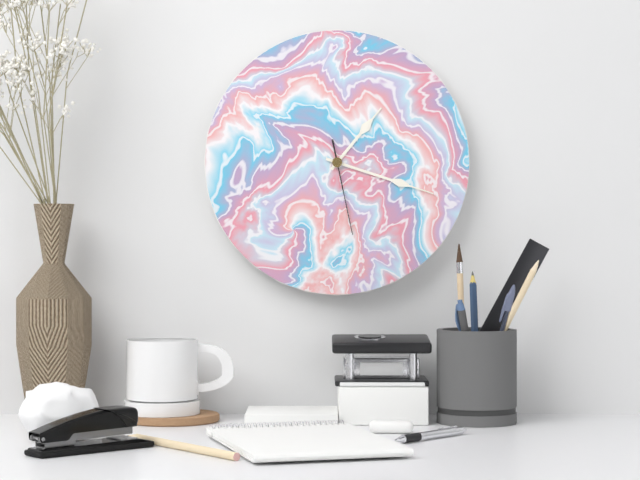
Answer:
{"hour": 1, "minute": 18, "second": 28}
